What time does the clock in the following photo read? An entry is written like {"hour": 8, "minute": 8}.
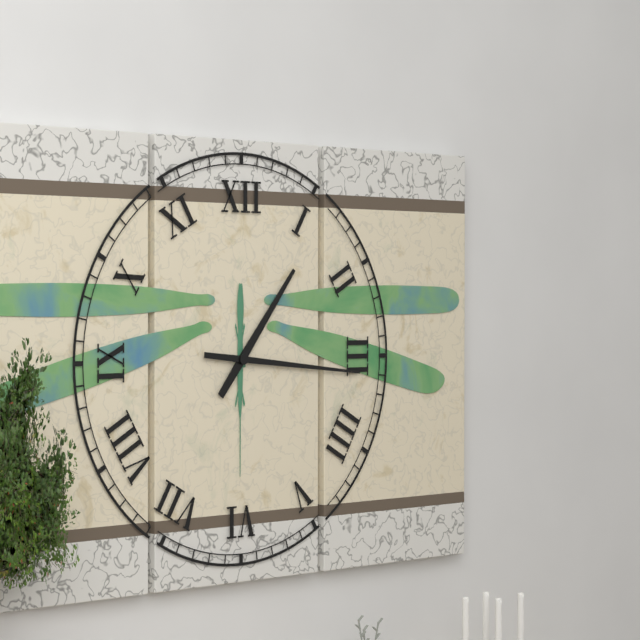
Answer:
{"hour": 1, "minute": 16}
